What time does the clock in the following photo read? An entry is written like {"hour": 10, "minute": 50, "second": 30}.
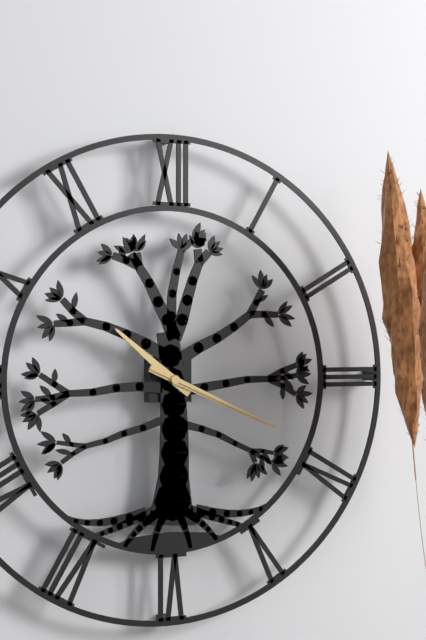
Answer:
{"hour": 10, "minute": 19, "second": 19}
